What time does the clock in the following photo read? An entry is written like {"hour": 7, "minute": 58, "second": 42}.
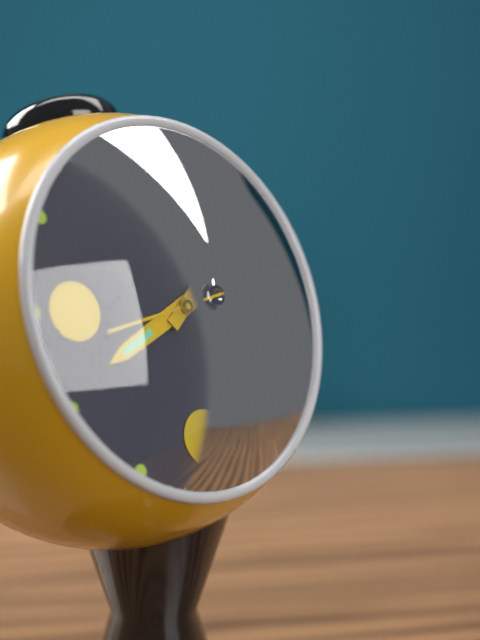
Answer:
{"hour": 8, "minute": 8, "second": 13}
